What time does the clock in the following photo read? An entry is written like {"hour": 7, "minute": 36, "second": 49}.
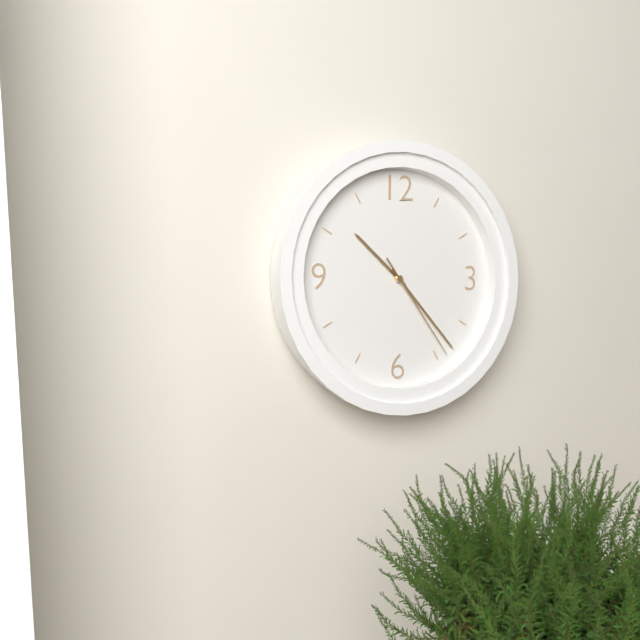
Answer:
{"hour": 10, "minute": 23, "second": 24}
